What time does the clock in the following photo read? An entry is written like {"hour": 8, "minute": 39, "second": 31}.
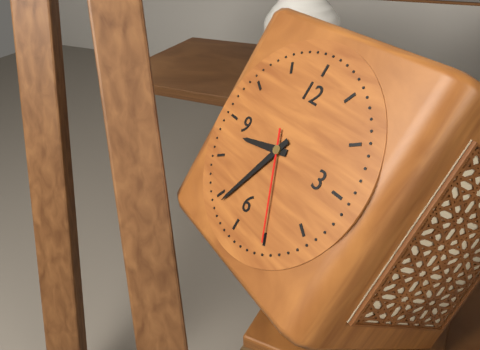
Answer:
{"hour": 8, "minute": 34, "second": 25}
